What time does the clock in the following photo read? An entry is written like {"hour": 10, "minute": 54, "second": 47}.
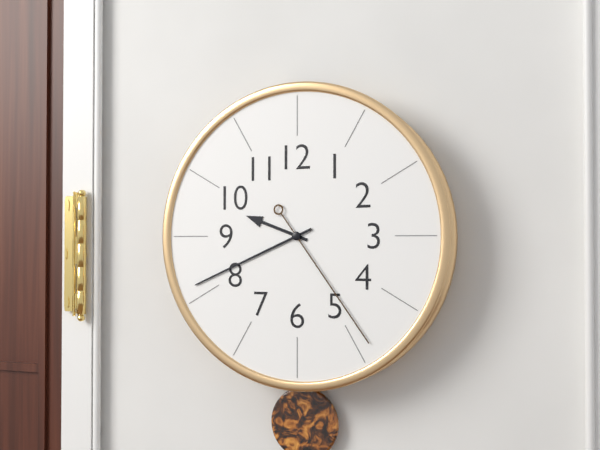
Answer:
{"hour": 9, "minute": 41, "second": 24}
